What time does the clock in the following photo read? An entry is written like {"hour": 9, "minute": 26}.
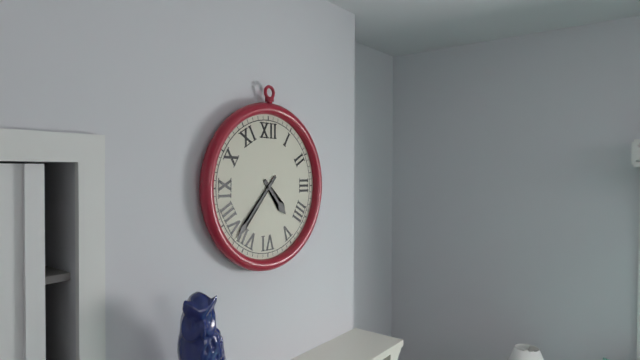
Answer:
{"hour": 4, "minute": 37}
